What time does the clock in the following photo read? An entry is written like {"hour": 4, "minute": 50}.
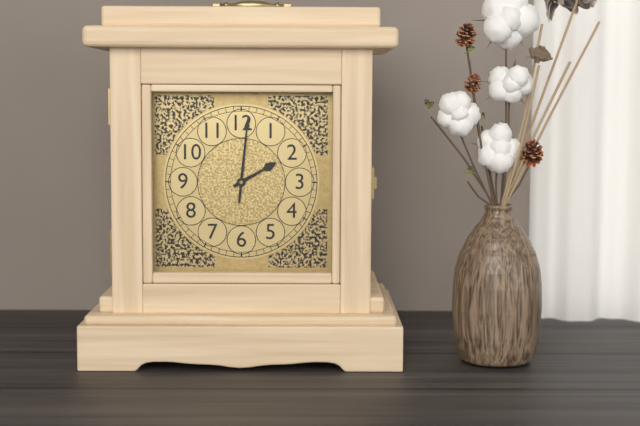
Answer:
{"hour": 2, "minute": 1}
